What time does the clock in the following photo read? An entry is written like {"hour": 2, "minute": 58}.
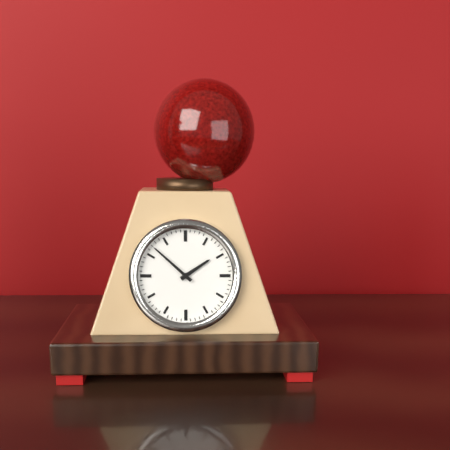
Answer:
{"hour": 1, "minute": 52}
